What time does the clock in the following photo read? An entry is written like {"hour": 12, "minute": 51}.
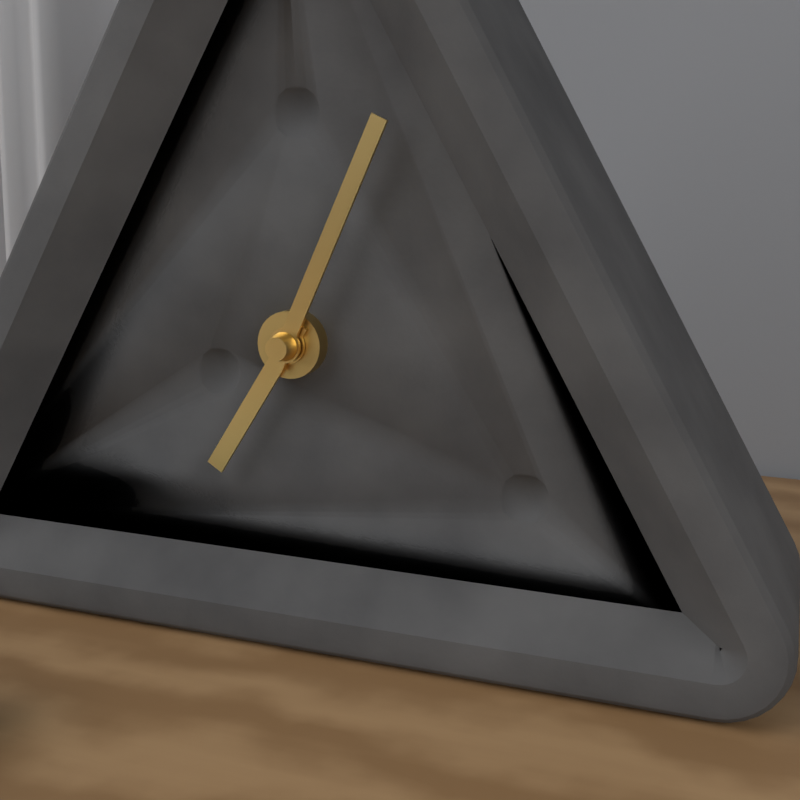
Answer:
{"hour": 7, "minute": 4}
